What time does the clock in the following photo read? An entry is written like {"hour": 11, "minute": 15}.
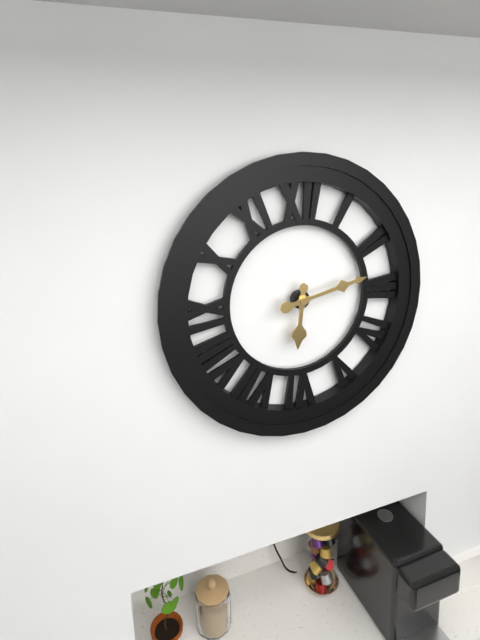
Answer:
{"hour": 6, "minute": 13}
